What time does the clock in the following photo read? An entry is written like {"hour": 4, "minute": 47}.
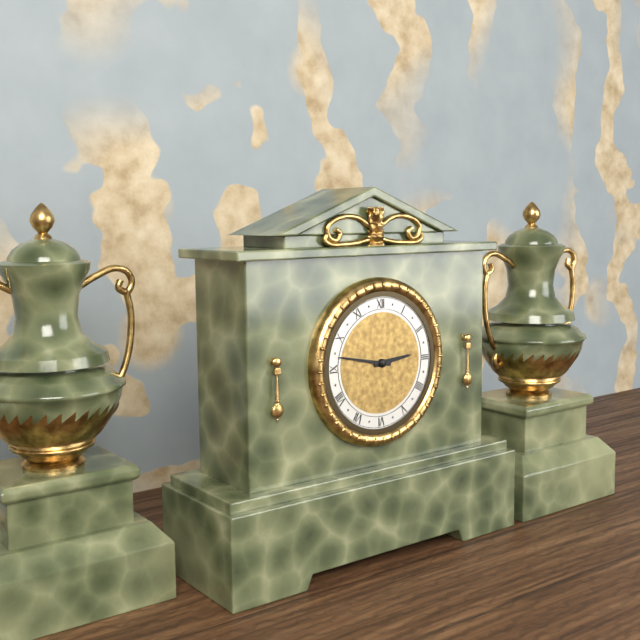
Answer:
{"hour": 2, "minute": 47}
